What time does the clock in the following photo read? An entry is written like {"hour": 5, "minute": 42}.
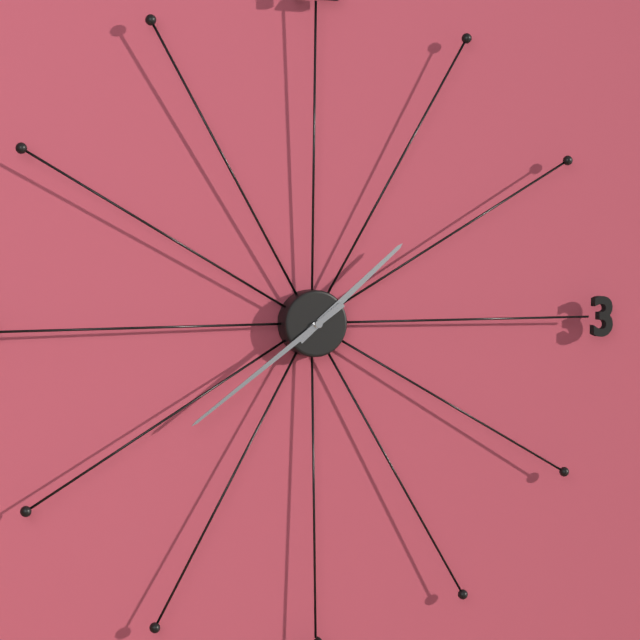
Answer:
{"hour": 1, "minute": 39}
